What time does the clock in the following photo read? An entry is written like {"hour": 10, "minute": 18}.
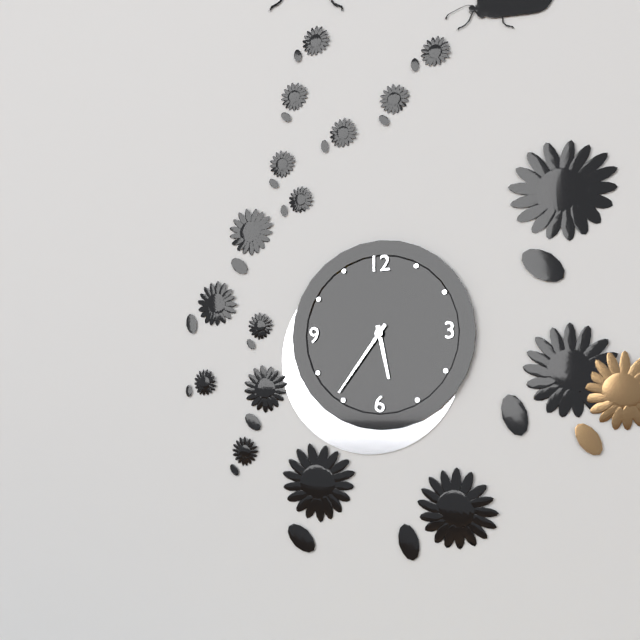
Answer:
{"hour": 5, "minute": 36}
